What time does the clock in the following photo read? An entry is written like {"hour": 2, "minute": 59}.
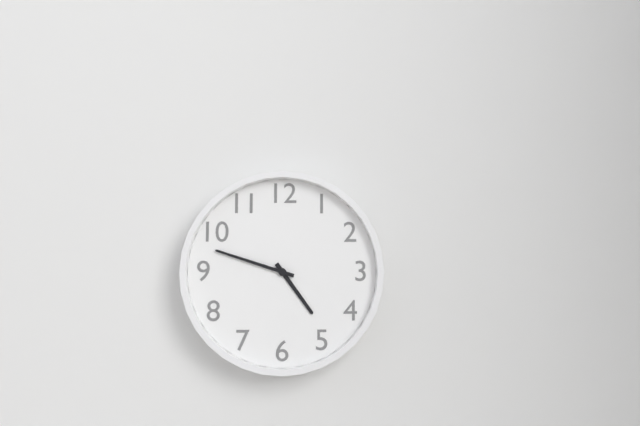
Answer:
{"hour": 4, "minute": 48}
